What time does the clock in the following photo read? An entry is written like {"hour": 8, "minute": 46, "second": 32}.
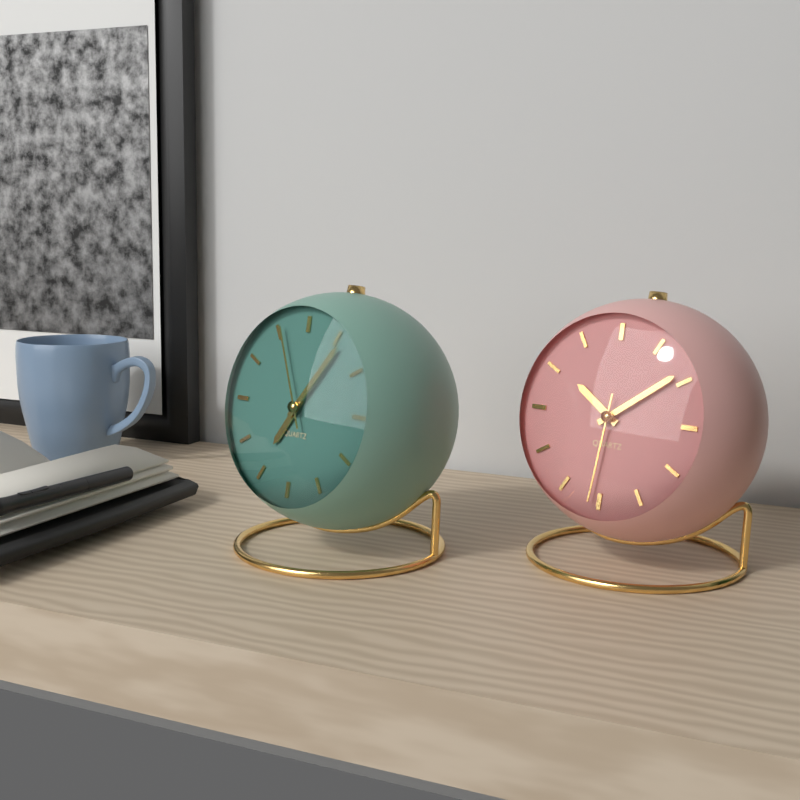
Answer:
{"hour": 7, "minute": 6, "second": 56}
